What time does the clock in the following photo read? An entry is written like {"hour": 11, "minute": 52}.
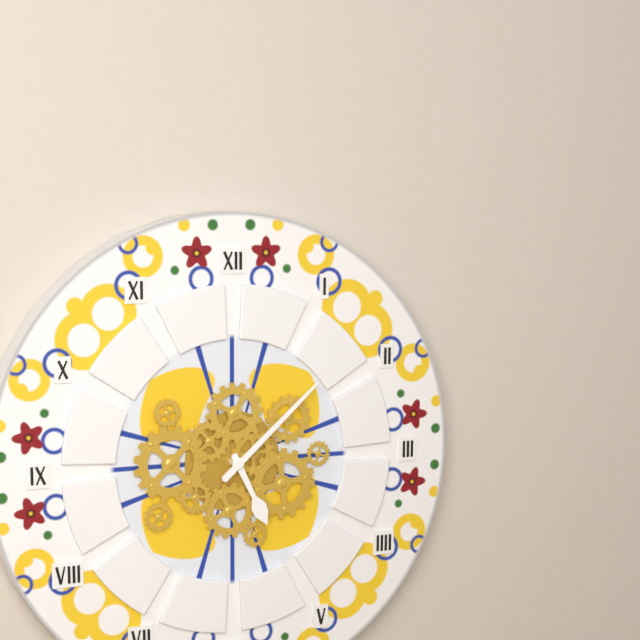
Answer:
{"hour": 5, "minute": 8}
